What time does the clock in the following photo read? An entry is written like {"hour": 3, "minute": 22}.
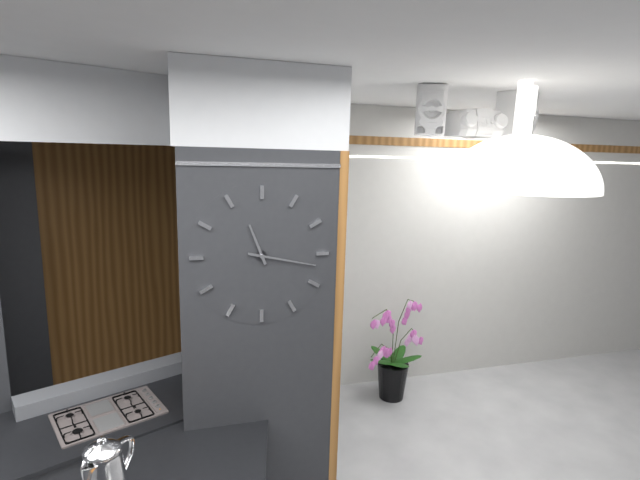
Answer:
{"hour": 11, "minute": 17}
